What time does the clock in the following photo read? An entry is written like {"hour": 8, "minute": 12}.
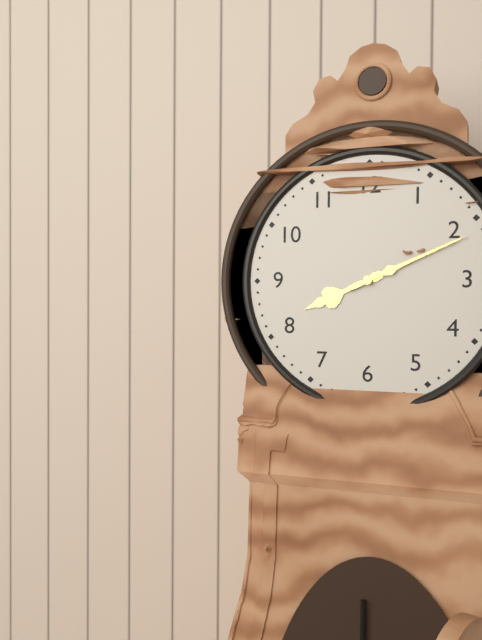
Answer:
{"hour": 8, "minute": 11}
